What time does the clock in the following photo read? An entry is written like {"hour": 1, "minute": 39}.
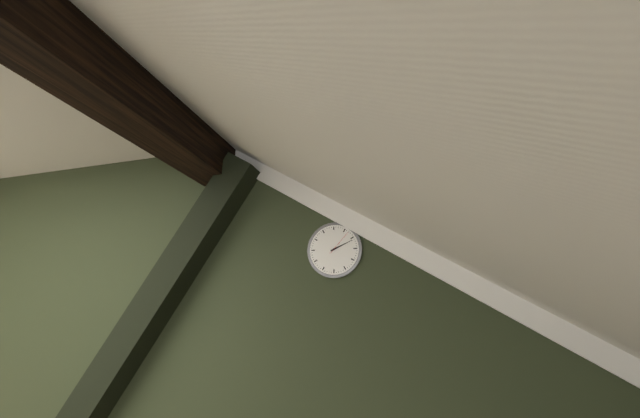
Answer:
{"hour": 2, "minute": 11}
